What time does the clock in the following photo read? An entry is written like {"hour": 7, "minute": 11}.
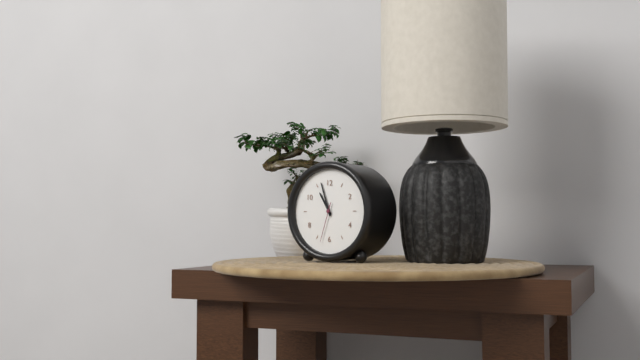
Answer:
{"hour": 10, "minute": 57}
